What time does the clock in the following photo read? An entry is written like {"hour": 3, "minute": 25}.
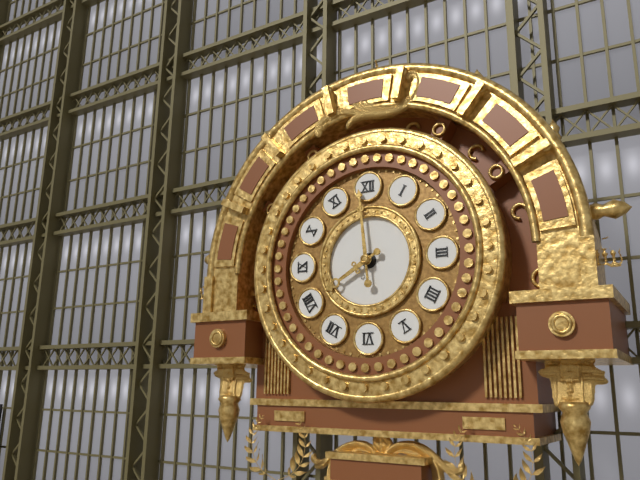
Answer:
{"hour": 7, "minute": 59}
